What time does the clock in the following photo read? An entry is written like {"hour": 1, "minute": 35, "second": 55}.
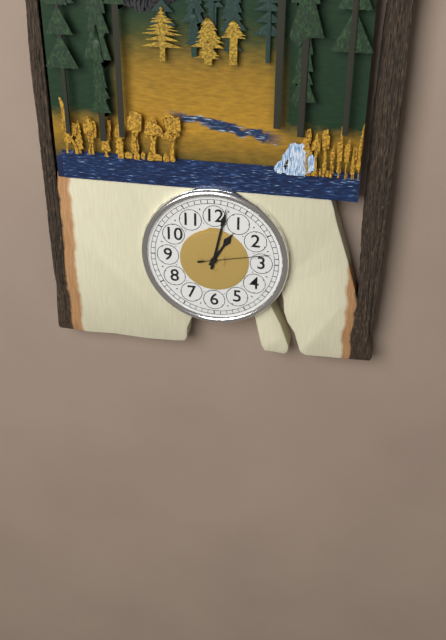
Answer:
{"hour": 1, "minute": 2, "second": 13}
